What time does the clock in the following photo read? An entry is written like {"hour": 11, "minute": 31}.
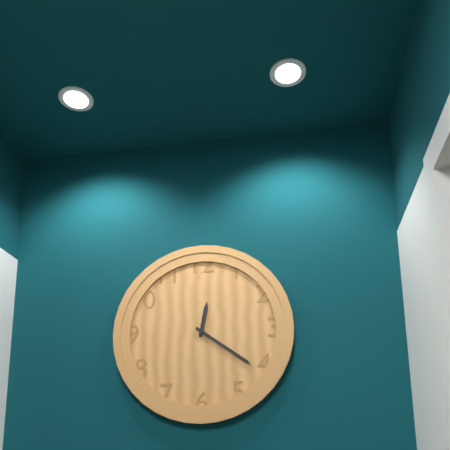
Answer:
{"hour": 12, "minute": 21}
